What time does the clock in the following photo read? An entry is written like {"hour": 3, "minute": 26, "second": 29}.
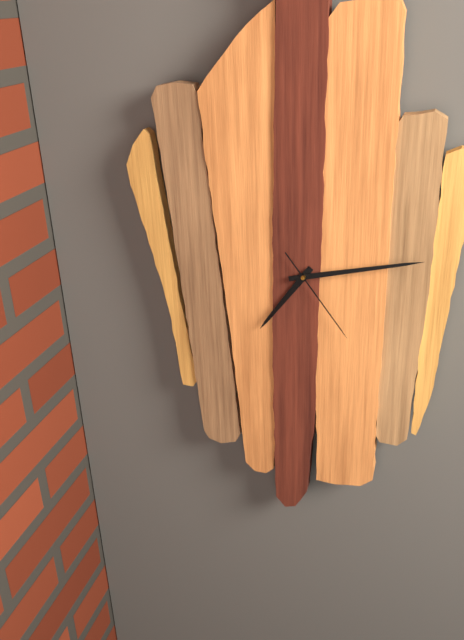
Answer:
{"hour": 7, "minute": 13, "second": 24}
